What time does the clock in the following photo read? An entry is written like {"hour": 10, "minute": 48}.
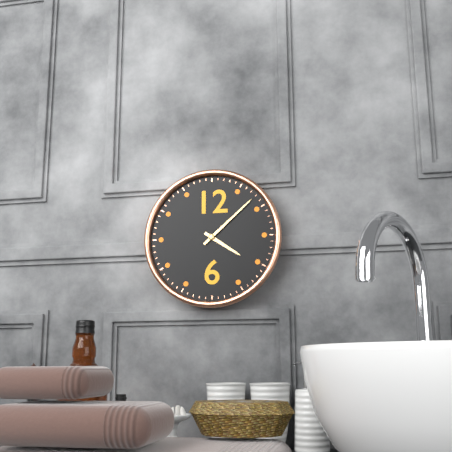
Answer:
{"hour": 4, "minute": 8}
